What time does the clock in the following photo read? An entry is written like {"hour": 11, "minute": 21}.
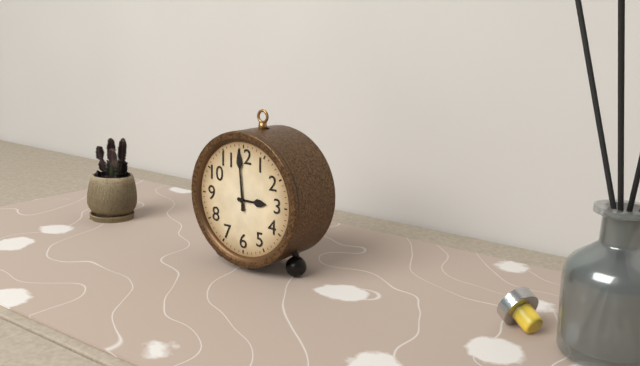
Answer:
{"hour": 2, "minute": 59}
